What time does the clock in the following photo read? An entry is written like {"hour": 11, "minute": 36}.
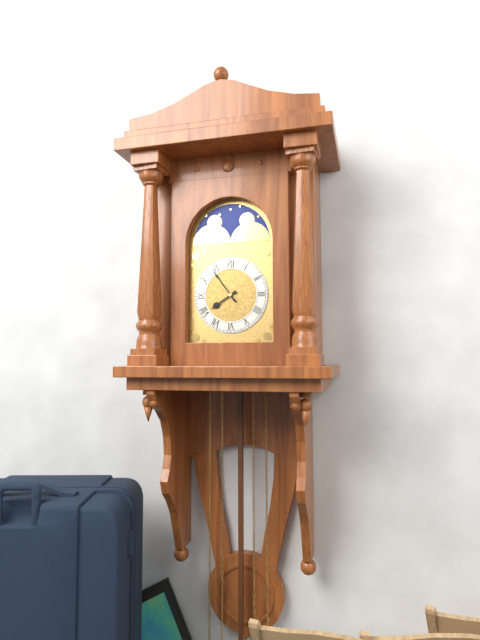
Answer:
{"hour": 7, "minute": 54}
